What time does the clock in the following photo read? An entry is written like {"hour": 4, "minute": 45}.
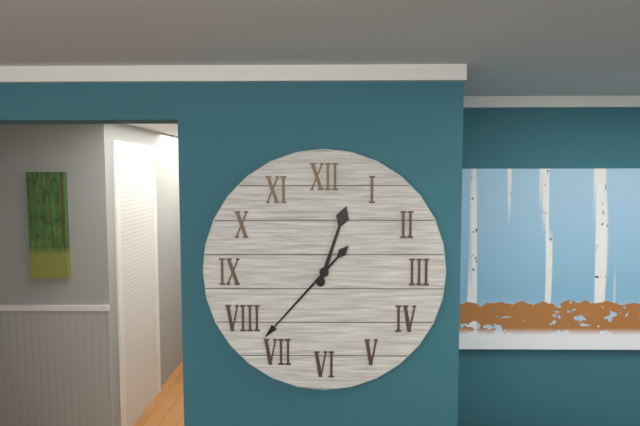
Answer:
{"hour": 12, "minute": 37}
